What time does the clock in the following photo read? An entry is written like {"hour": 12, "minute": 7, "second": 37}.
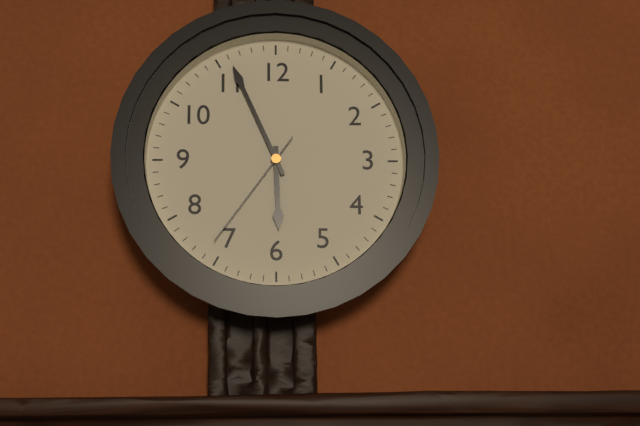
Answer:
{"hour": 5, "minute": 56, "second": 36}
